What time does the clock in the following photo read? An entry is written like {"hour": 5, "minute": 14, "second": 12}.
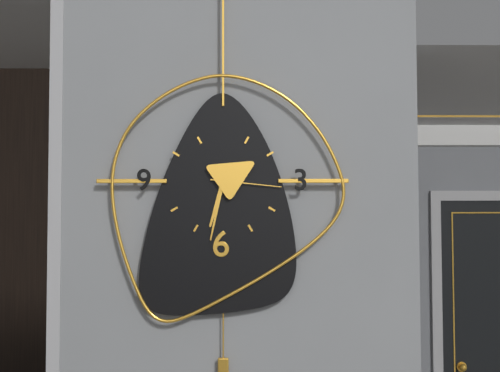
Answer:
{"hour": 6, "minute": 32, "second": 16}
